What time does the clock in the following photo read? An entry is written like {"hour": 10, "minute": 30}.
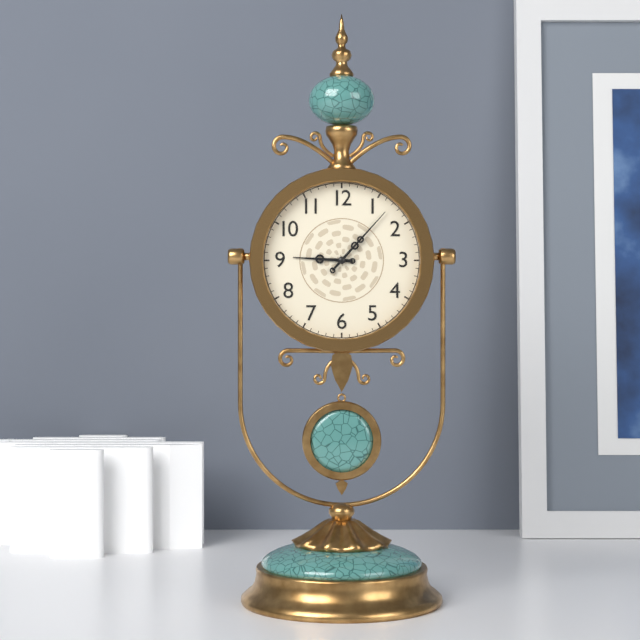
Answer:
{"hour": 9, "minute": 7}
